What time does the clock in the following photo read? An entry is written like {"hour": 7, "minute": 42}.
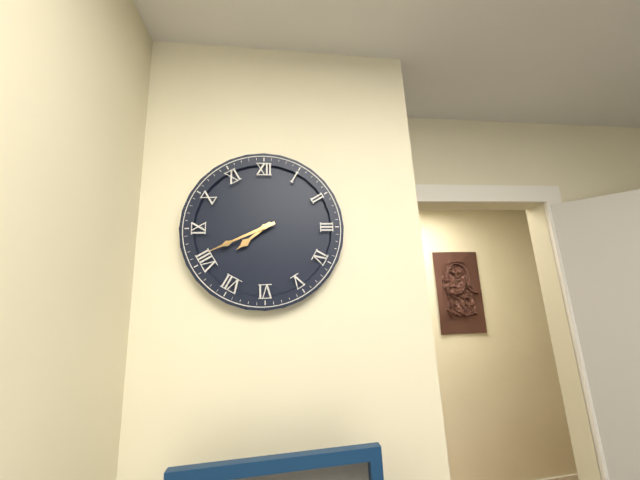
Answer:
{"hour": 7, "minute": 41}
